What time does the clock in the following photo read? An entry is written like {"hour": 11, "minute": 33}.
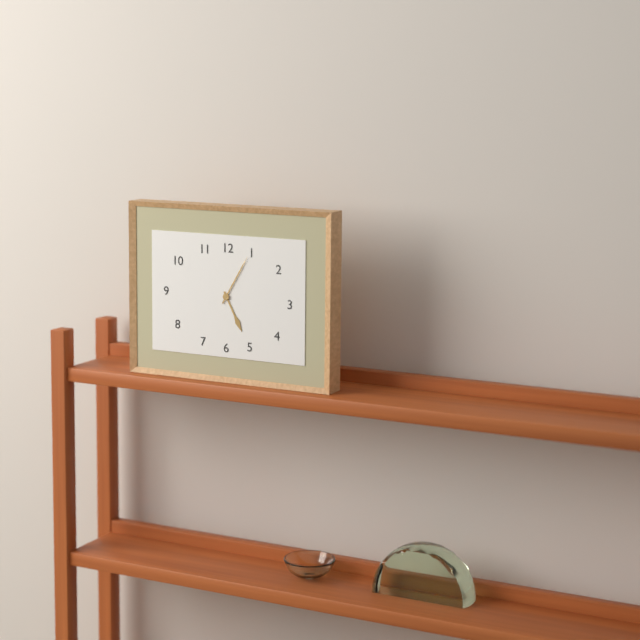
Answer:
{"hour": 5, "minute": 5}
